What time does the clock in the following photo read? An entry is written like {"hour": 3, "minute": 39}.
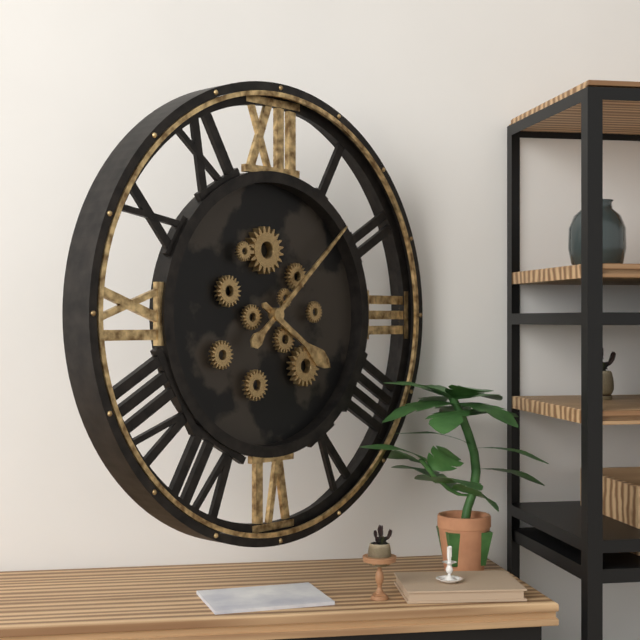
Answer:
{"hour": 4, "minute": 8}
